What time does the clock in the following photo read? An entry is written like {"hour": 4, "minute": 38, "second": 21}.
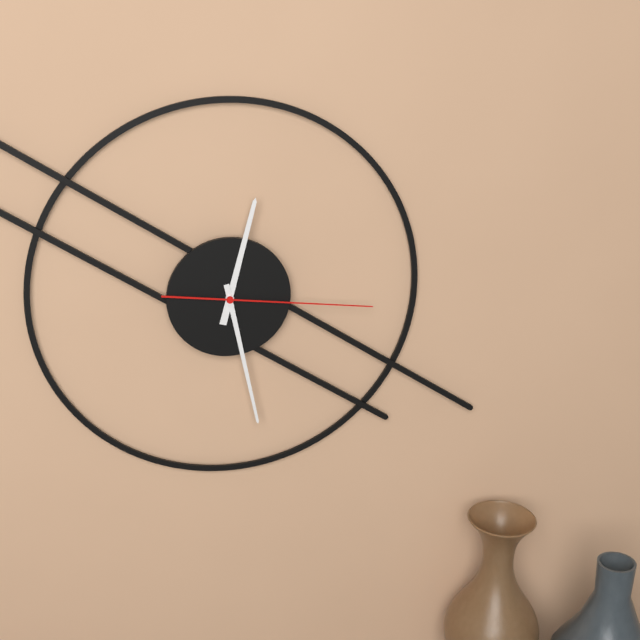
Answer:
{"hour": 12, "minute": 28, "second": 16}
